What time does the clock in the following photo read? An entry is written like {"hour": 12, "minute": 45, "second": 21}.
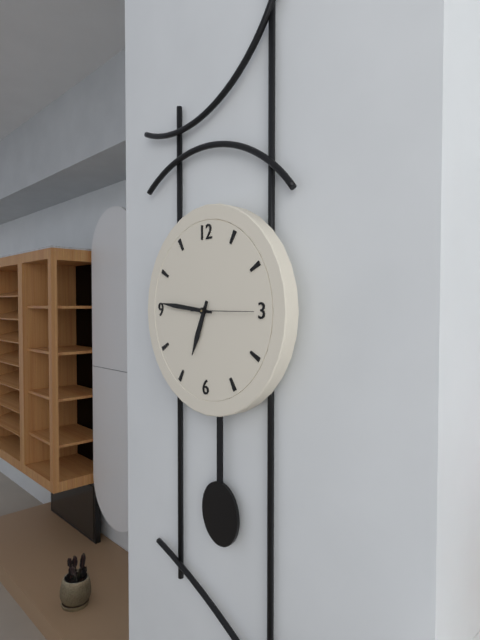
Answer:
{"hour": 6, "minute": 46, "second": 15}
